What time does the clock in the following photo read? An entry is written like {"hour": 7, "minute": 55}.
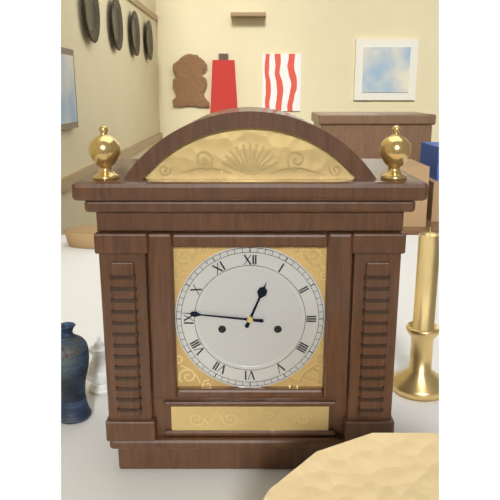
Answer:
{"hour": 12, "minute": 46}
